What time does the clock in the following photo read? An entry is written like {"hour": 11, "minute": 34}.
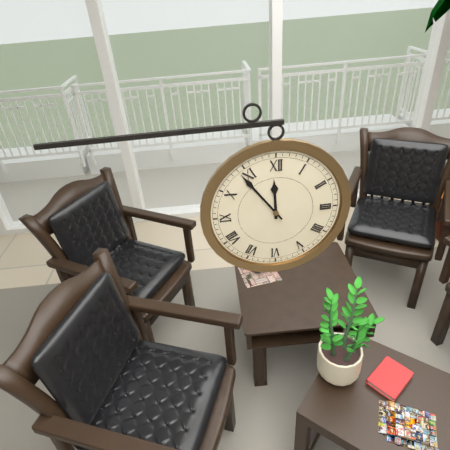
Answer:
{"hour": 11, "minute": 54}
